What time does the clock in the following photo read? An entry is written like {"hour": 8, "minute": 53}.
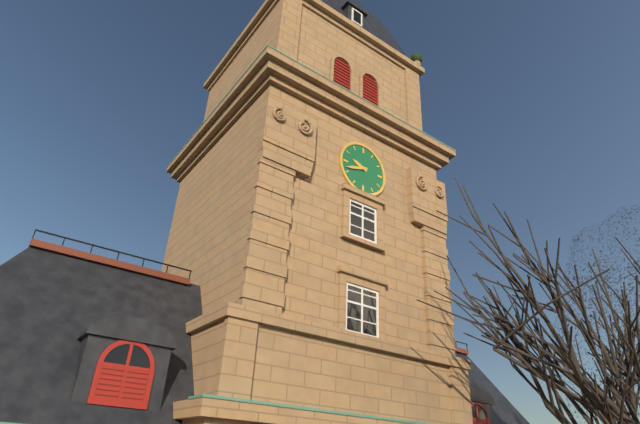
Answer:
{"hour": 9, "minute": 42}
